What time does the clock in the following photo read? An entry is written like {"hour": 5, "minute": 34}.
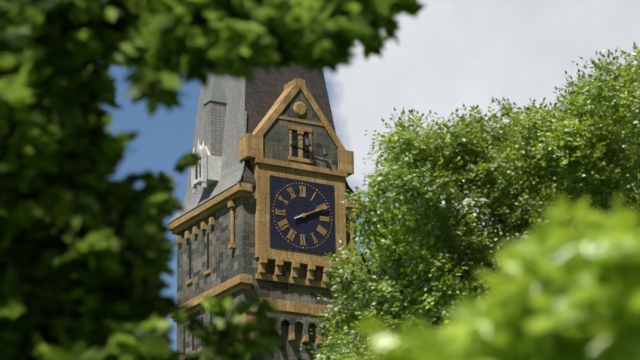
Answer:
{"hour": 2, "minute": 11}
